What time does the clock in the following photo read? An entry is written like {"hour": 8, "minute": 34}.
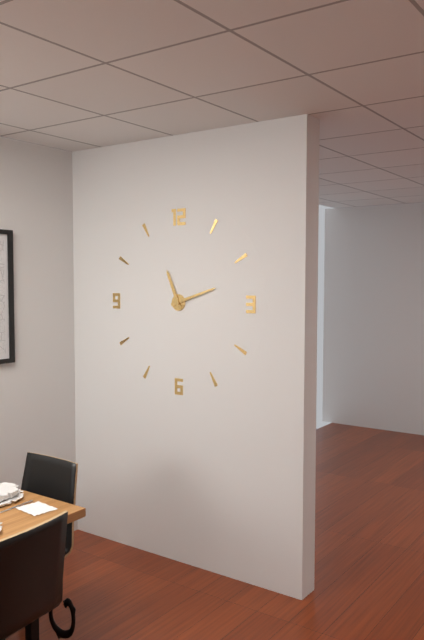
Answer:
{"hour": 11, "minute": 12}
